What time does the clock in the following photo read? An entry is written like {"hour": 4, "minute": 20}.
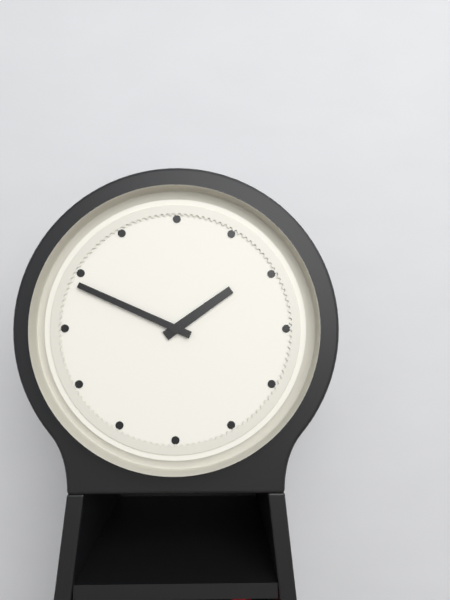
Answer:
{"hour": 1, "minute": 49}
